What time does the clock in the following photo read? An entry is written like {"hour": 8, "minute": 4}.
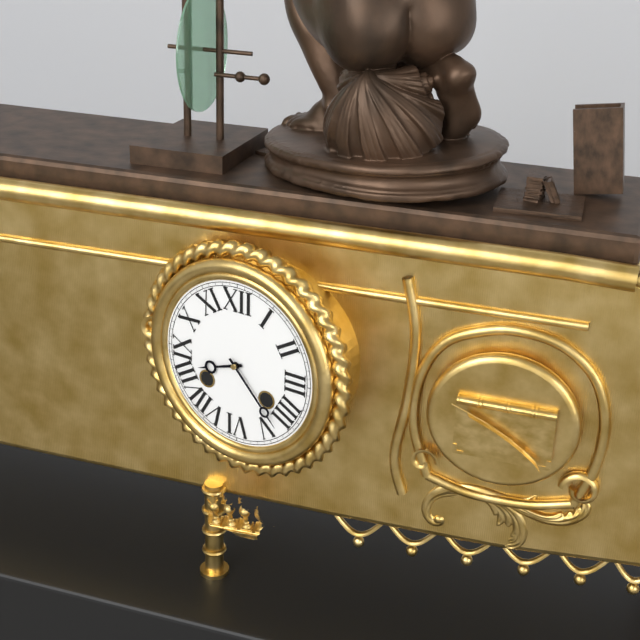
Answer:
{"hour": 8, "minute": 23}
